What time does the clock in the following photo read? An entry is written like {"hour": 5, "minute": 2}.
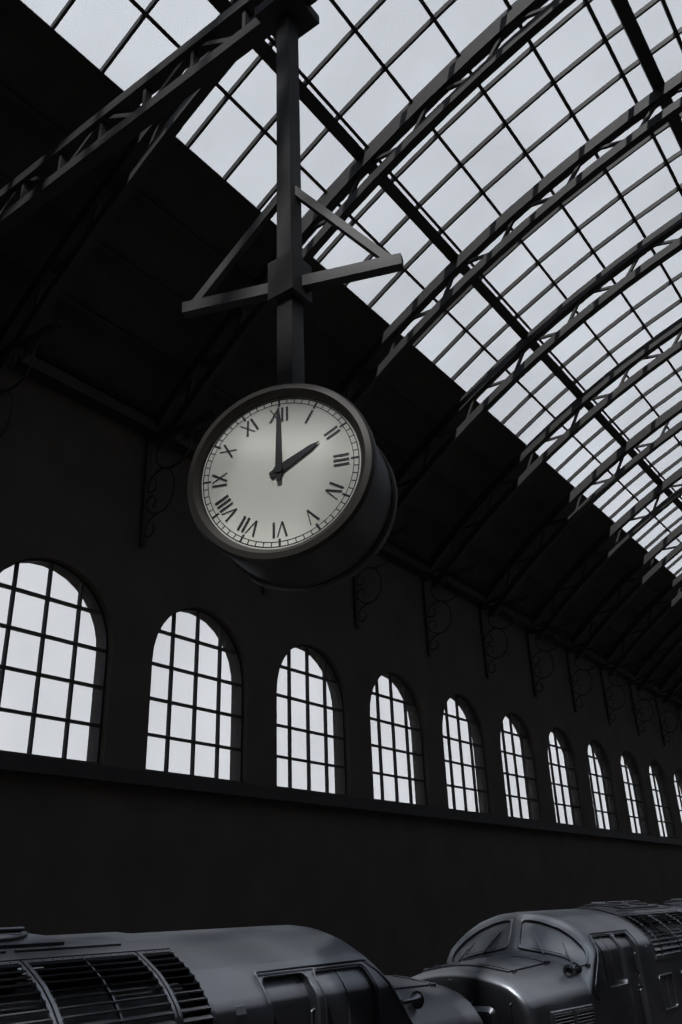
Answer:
{"hour": 2, "minute": 0}
